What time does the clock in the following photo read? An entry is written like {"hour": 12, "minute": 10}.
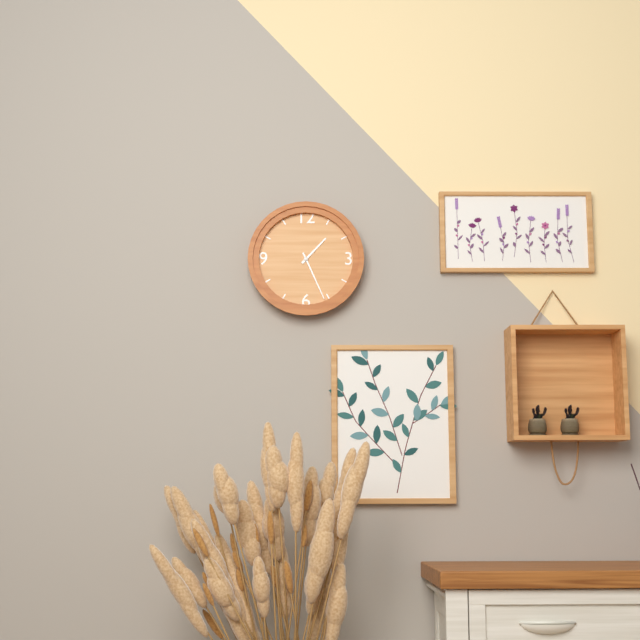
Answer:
{"hour": 1, "minute": 26}
